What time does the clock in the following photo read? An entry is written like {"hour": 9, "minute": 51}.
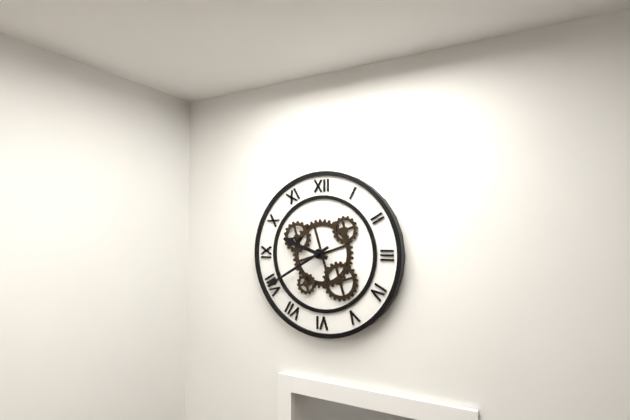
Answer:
{"hour": 9, "minute": 40}
